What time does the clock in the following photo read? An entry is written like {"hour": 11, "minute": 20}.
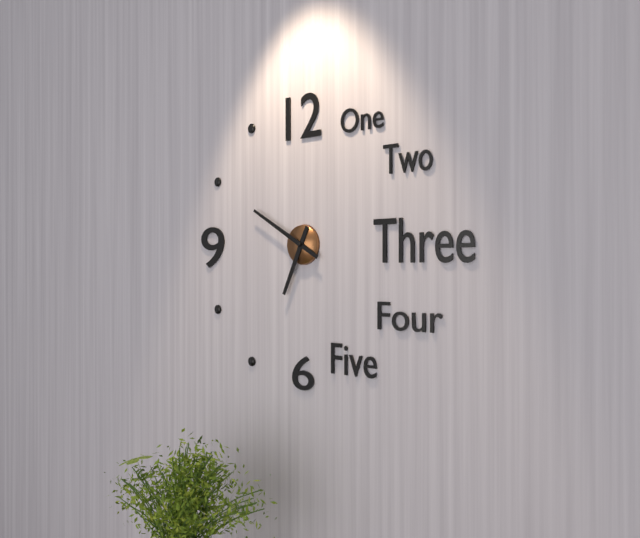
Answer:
{"hour": 6, "minute": 50}
